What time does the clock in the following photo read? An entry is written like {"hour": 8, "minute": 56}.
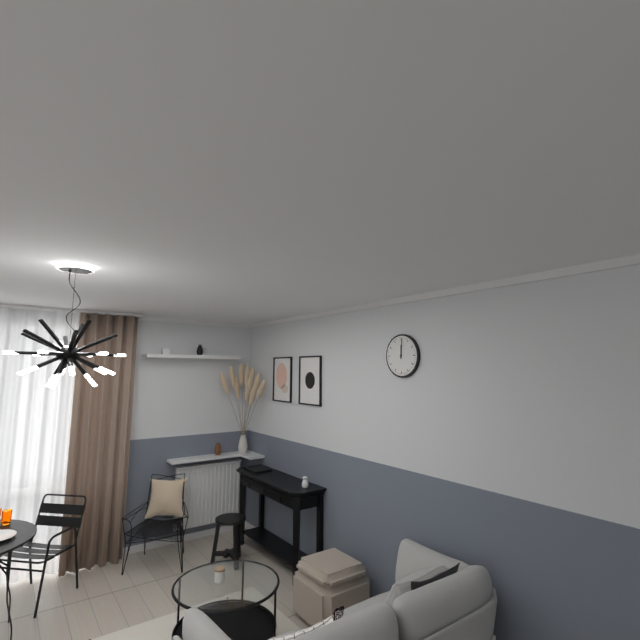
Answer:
{"hour": 12, "minute": 1}
